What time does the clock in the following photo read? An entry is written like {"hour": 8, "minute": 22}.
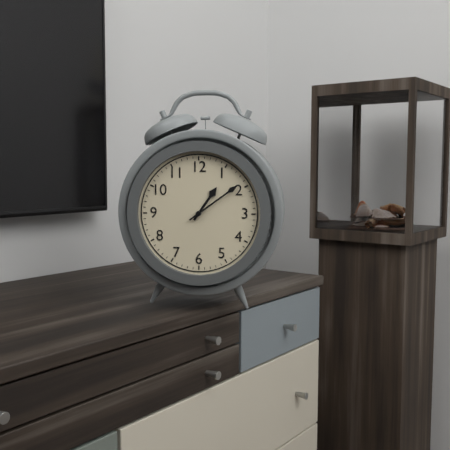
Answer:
{"hour": 1, "minute": 9}
